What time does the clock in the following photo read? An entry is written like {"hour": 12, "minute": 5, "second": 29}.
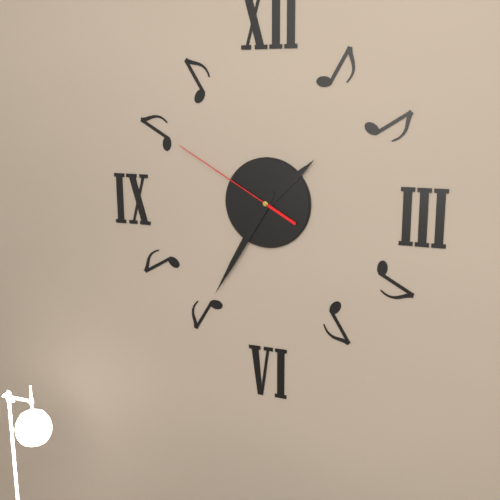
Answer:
{"hour": 1, "minute": 35, "second": 50}
